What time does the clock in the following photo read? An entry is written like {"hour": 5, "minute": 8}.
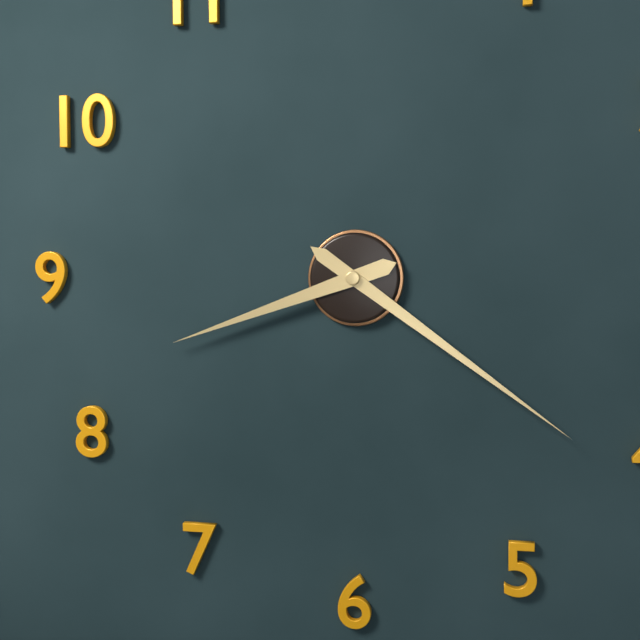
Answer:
{"hour": 8, "minute": 21}
